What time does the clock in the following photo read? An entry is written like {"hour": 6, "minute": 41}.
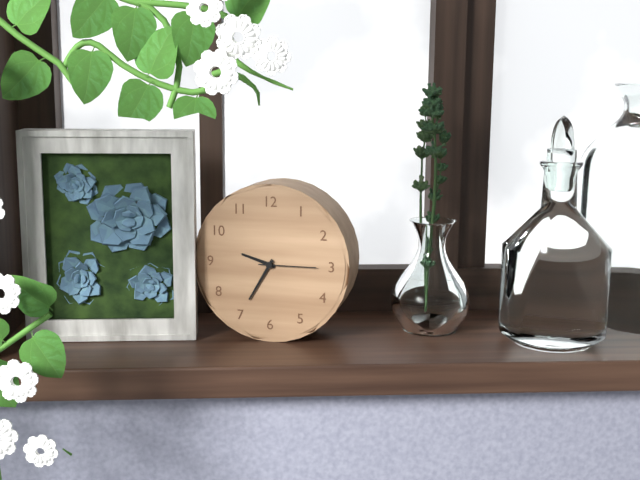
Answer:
{"hour": 9, "minute": 35}
